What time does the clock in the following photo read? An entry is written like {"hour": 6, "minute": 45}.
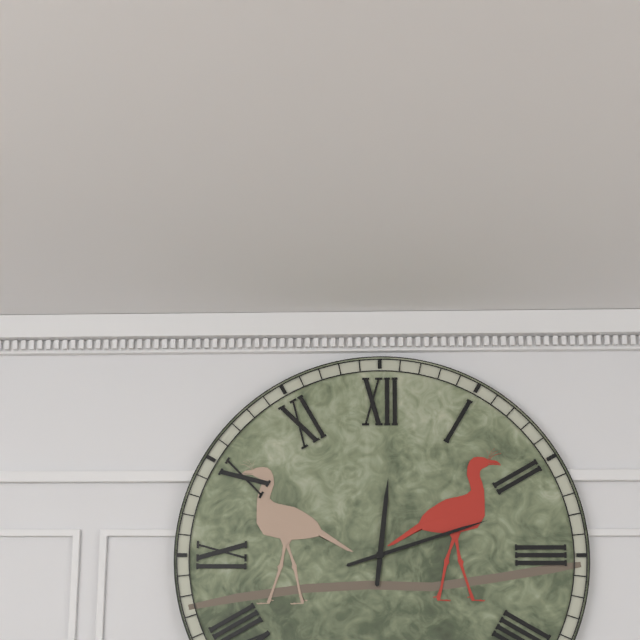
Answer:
{"hour": 12, "minute": 12}
